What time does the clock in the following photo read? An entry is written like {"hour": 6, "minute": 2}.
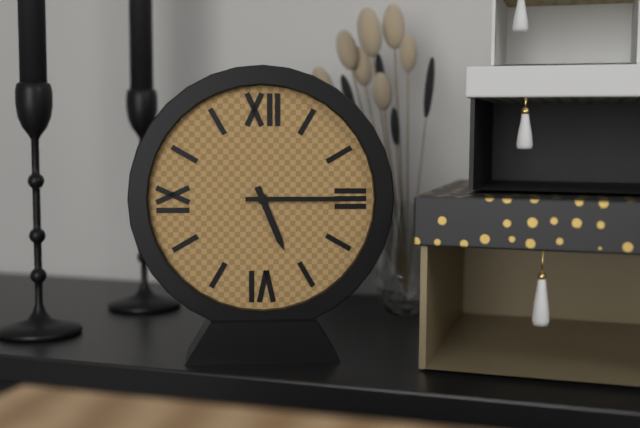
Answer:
{"hour": 5, "minute": 15}
